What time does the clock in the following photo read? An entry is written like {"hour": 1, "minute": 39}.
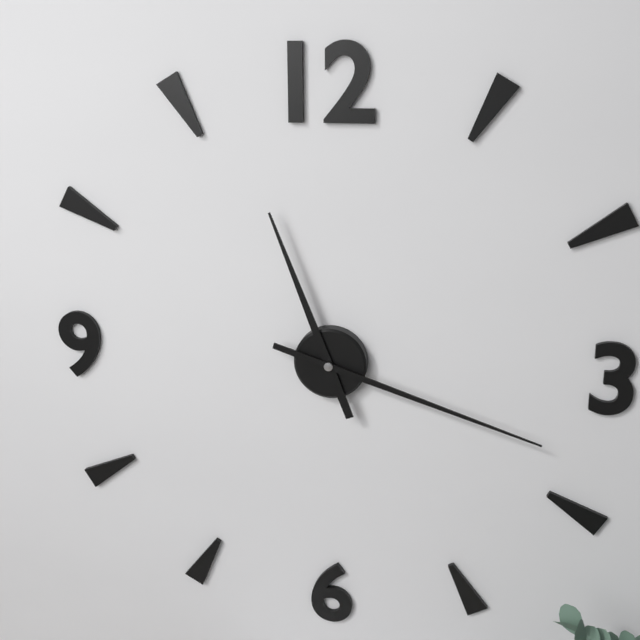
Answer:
{"hour": 11, "minute": 18}
